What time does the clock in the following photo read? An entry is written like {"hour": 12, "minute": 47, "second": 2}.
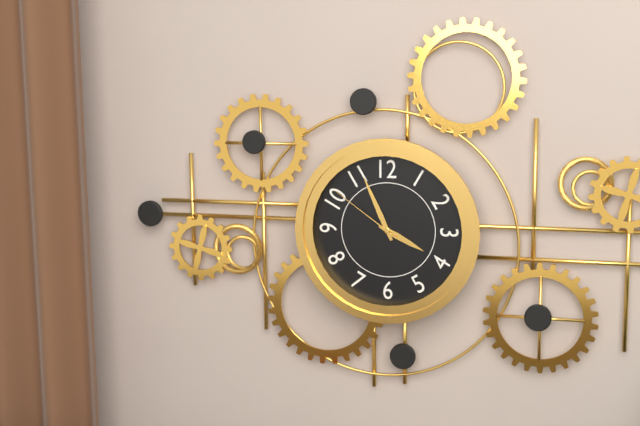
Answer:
{"hour": 3, "minute": 56, "second": 51}
